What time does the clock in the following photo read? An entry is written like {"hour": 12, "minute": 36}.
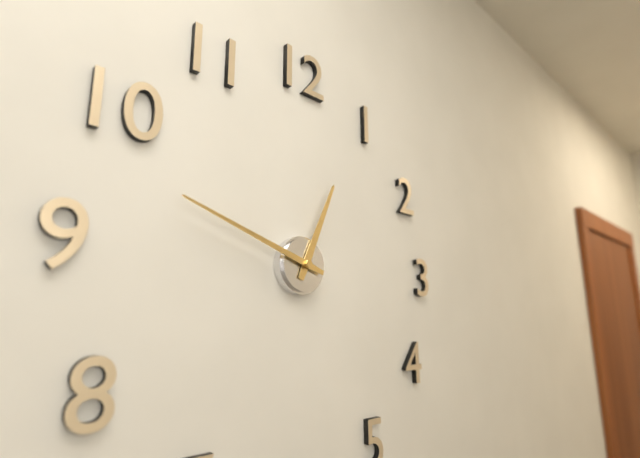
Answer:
{"hour": 12, "minute": 48}
